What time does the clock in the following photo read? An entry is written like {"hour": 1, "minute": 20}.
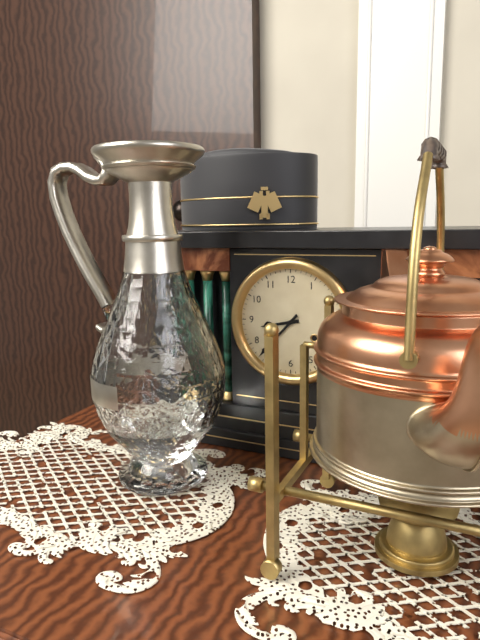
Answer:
{"hour": 8, "minute": 37}
